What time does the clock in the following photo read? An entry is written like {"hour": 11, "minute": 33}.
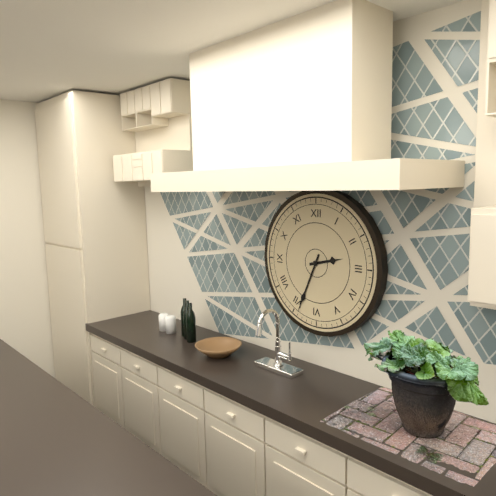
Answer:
{"hour": 2, "minute": 34}
